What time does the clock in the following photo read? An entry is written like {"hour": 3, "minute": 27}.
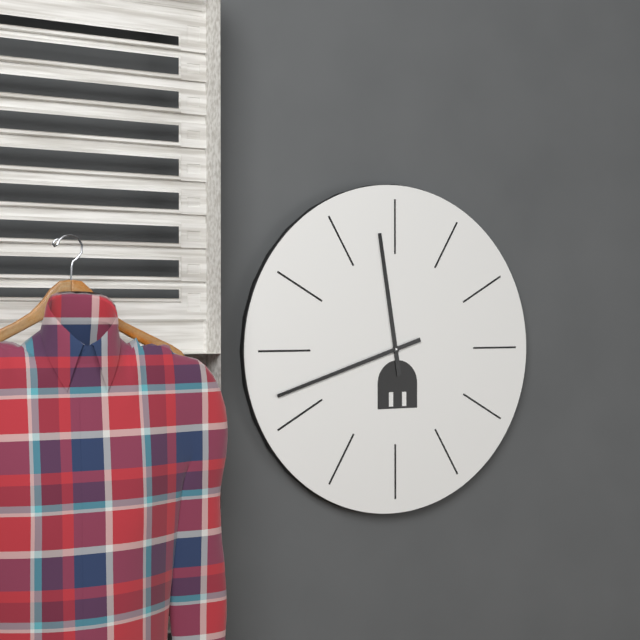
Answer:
{"hour": 11, "minute": 42}
